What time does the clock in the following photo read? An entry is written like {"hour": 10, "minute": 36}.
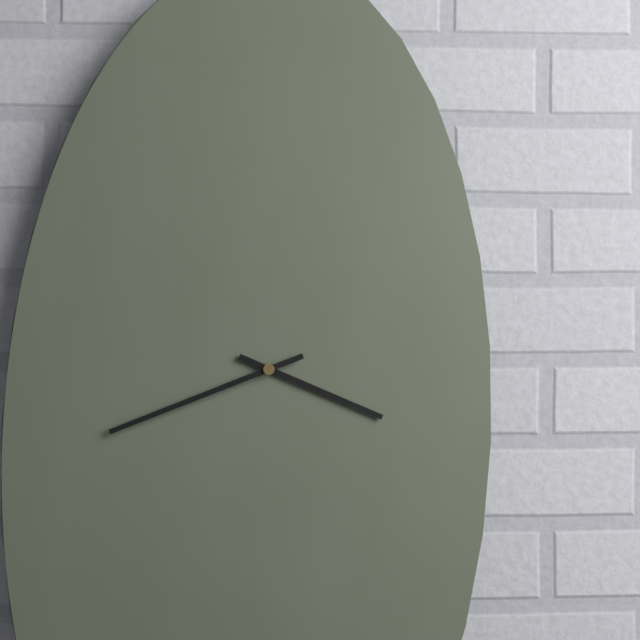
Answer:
{"hour": 3, "minute": 41}
